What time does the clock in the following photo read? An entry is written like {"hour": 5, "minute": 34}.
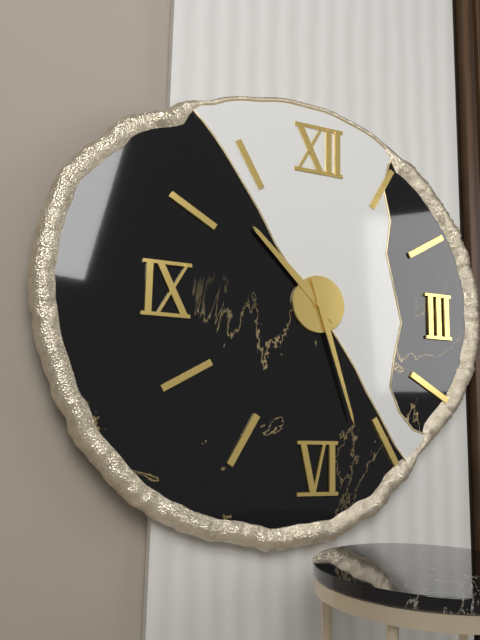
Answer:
{"hour": 10, "minute": 27}
